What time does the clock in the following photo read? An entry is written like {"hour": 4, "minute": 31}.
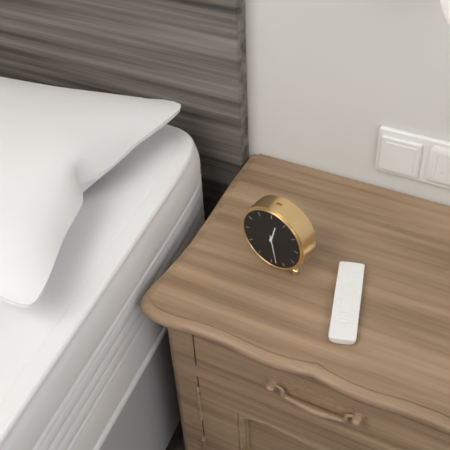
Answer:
{"hour": 12, "minute": 28}
